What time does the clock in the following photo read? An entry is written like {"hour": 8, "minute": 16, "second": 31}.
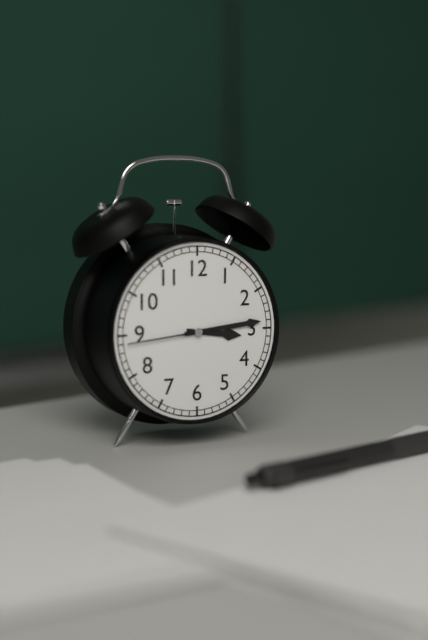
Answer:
{"hour": 3, "minute": 14, "second": 44}
